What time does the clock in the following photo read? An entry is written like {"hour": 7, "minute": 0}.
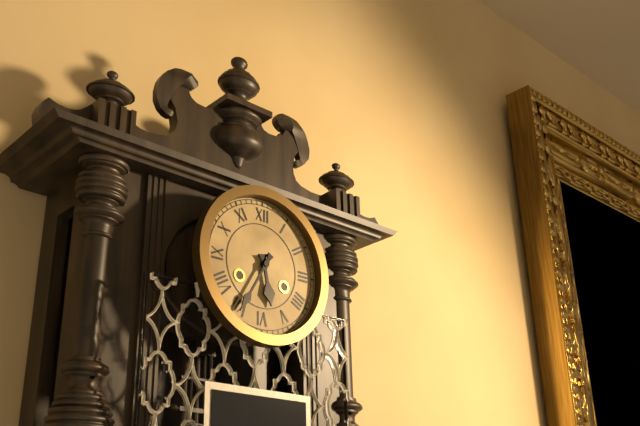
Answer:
{"hour": 5, "minute": 35}
